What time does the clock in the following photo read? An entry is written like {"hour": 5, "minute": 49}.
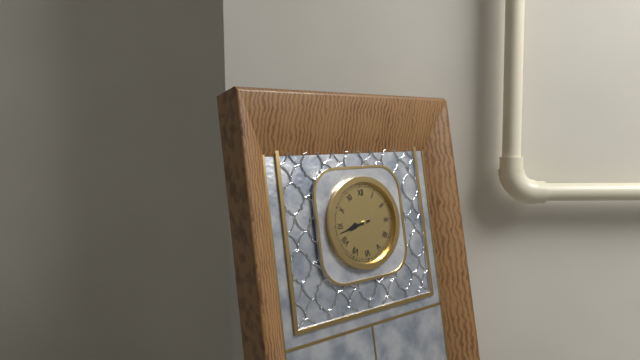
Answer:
{"hour": 8, "minute": 43}
